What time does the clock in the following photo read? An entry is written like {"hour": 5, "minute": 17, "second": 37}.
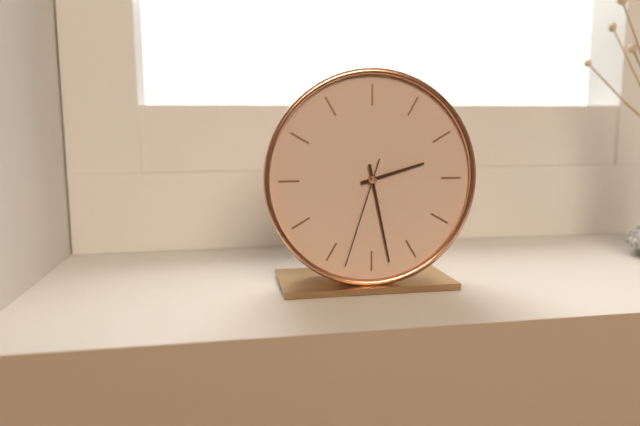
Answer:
{"hour": 2, "minute": 28, "second": 33}
